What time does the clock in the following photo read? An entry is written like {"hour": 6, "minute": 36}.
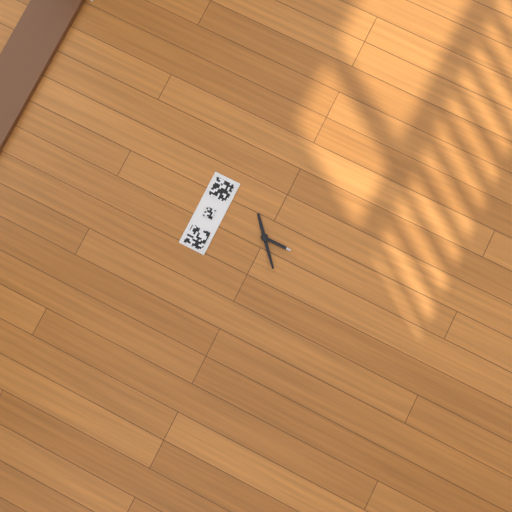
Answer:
{"hour": 1, "minute": 38}
